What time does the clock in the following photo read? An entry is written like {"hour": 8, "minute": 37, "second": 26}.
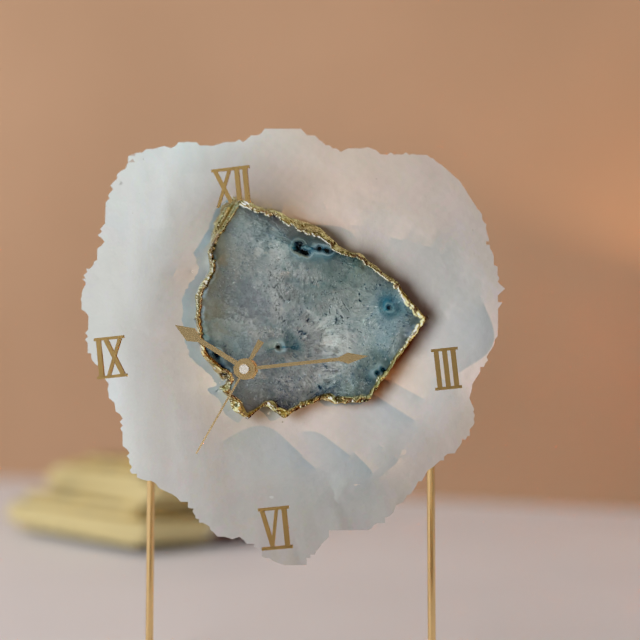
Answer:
{"hour": 10, "minute": 15, "second": 36}
